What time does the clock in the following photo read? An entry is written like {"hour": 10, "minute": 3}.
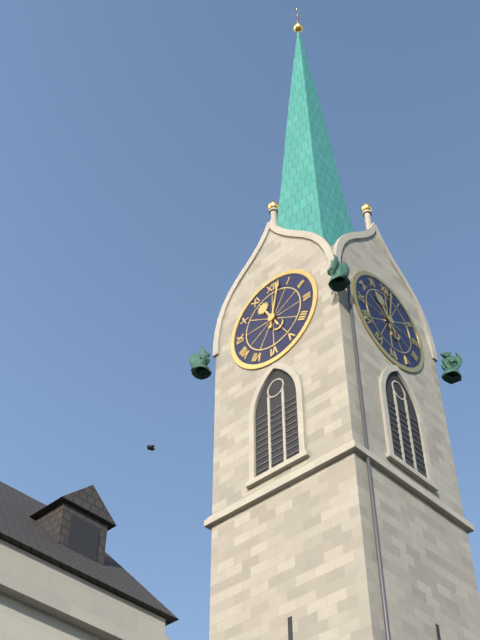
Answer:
{"hour": 11, "minute": 2}
